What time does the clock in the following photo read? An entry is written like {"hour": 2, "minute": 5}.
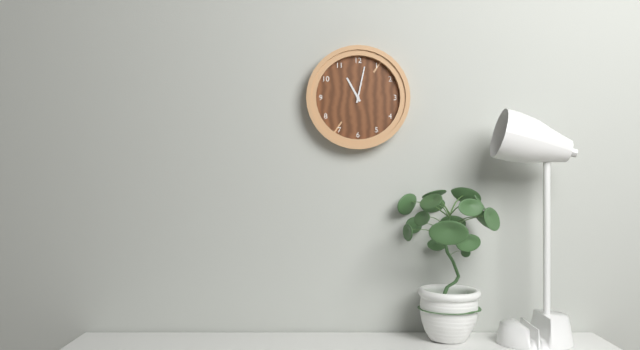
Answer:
{"hour": 11, "minute": 2}
